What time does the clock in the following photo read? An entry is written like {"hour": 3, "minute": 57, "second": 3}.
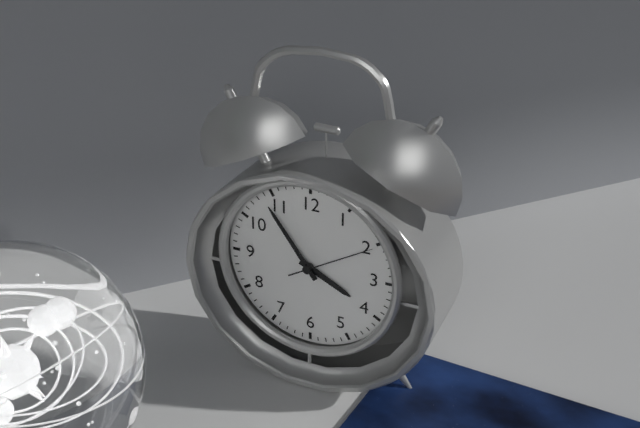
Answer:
{"hour": 3, "minute": 54, "second": 10}
